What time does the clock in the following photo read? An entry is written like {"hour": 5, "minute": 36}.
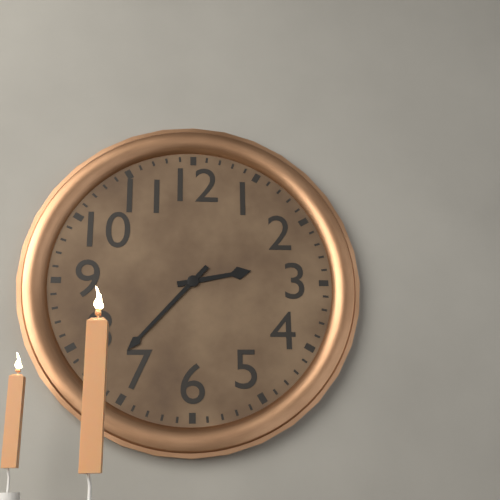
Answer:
{"hour": 2, "minute": 37}
